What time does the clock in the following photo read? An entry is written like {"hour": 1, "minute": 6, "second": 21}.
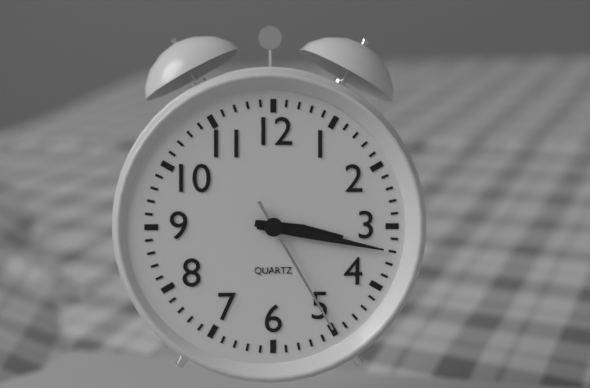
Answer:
{"hour": 3, "minute": 17, "second": 25}
